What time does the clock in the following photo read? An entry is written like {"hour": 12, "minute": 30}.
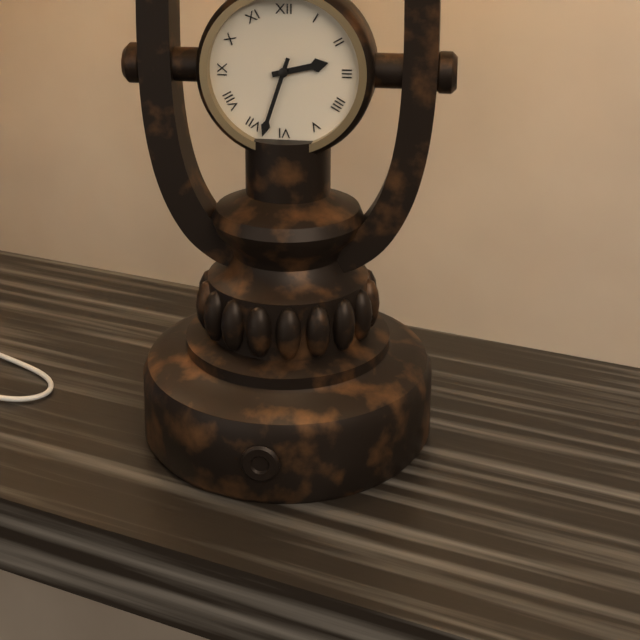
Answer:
{"hour": 2, "minute": 33}
